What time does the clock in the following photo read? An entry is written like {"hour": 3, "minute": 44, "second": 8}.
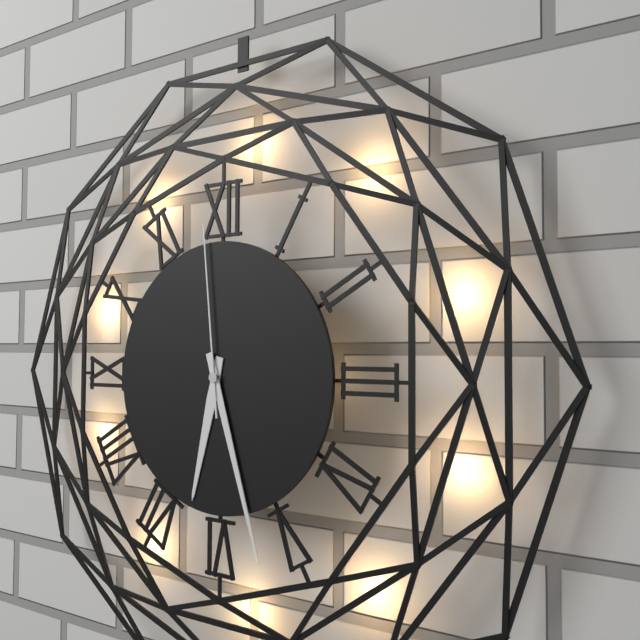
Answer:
{"hour": 6, "minute": 27, "second": 59}
